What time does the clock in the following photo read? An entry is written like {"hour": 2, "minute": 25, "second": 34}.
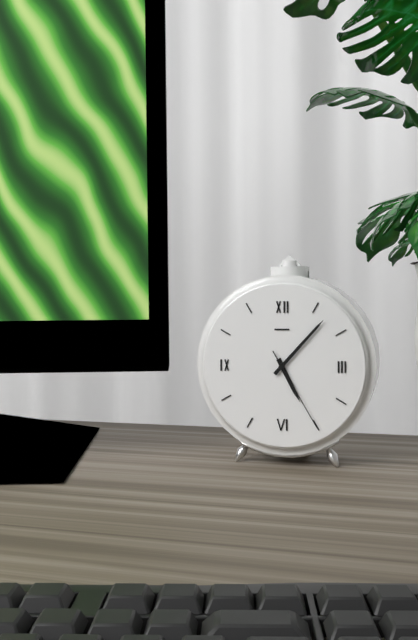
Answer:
{"hour": 5, "minute": 7, "second": 25}
